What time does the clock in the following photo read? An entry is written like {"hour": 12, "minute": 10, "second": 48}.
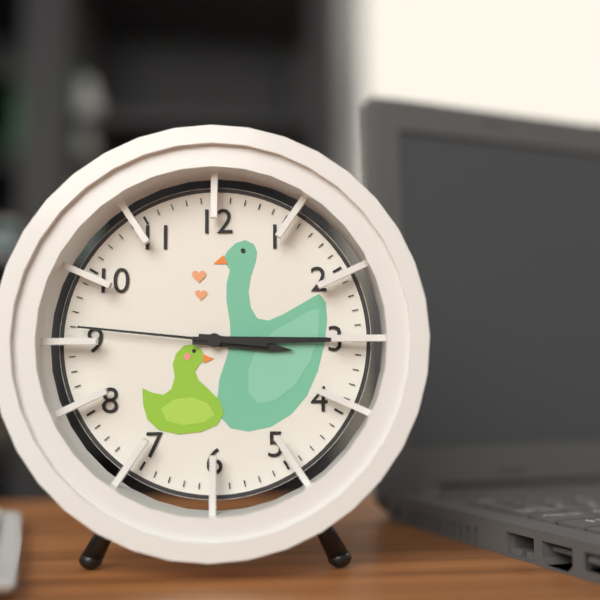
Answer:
{"hour": 3, "minute": 15, "second": 46}
